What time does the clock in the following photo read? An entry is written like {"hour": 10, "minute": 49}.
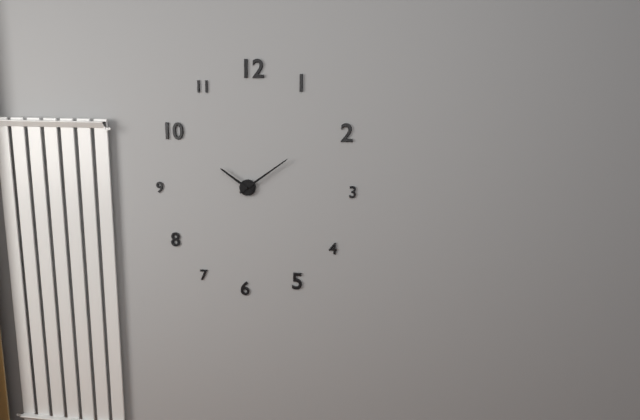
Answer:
{"hour": 10, "minute": 9}
